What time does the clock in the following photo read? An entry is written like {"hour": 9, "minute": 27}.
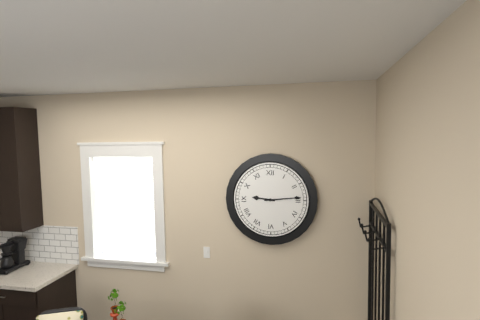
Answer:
{"hour": 9, "minute": 14}
